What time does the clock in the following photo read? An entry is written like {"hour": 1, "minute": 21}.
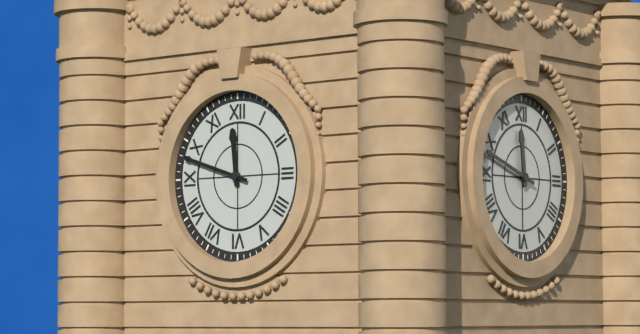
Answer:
{"hour": 11, "minute": 48}
